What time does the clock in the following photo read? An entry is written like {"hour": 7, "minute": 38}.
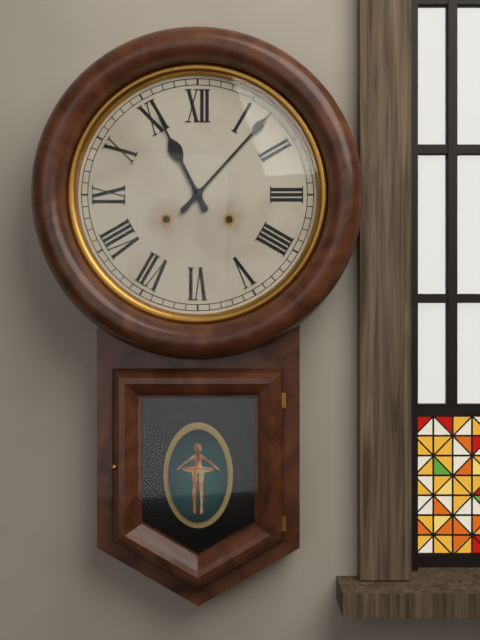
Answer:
{"hour": 11, "minute": 7}
